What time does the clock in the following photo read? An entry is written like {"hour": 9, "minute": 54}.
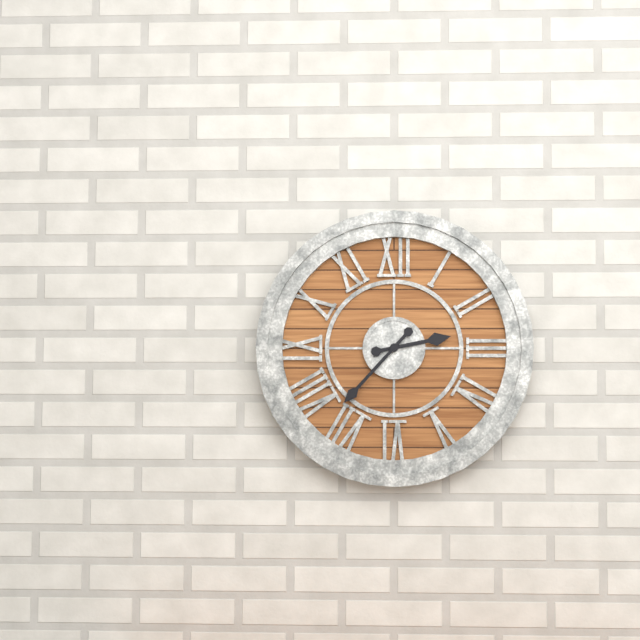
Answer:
{"hour": 2, "minute": 37}
